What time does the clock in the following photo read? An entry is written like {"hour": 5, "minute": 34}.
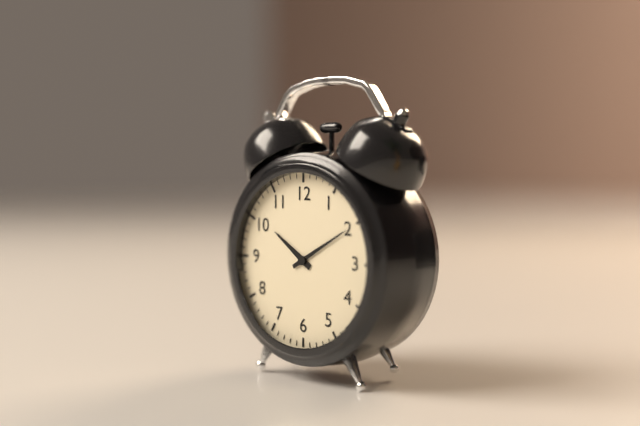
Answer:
{"hour": 10, "minute": 10}
